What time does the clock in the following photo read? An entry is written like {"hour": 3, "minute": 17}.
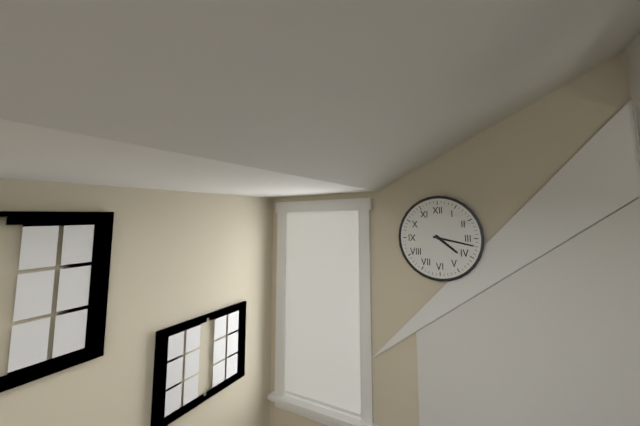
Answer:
{"hour": 4, "minute": 17}
